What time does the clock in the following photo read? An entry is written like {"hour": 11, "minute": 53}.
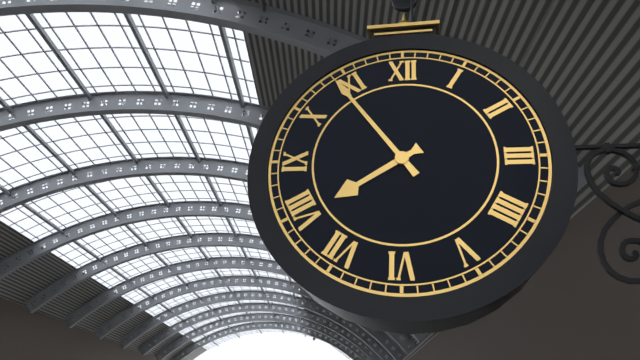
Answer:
{"hour": 7, "minute": 54}
